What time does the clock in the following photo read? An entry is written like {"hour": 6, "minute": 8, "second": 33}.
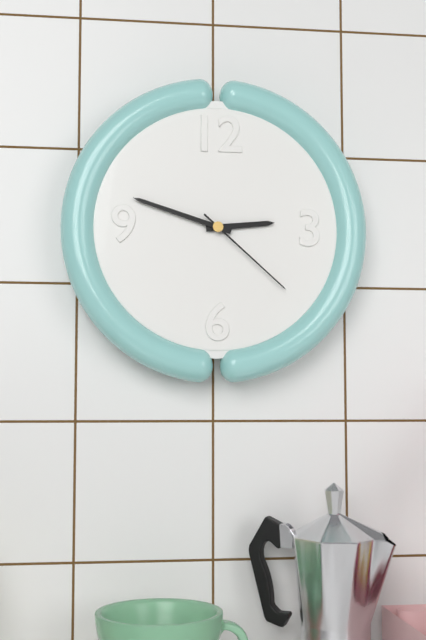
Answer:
{"hour": 2, "minute": 48, "second": 22}
